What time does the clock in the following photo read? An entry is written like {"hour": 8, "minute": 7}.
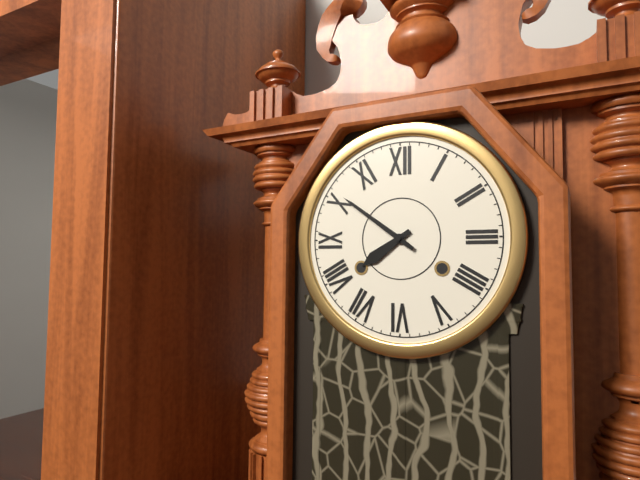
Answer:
{"hour": 7, "minute": 51}
